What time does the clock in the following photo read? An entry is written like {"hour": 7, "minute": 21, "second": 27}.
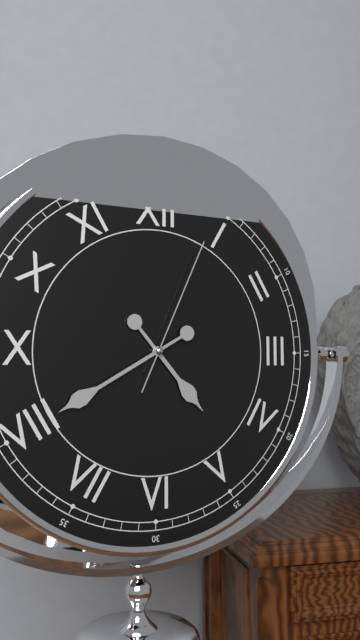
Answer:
{"hour": 4, "minute": 40, "second": 4}
